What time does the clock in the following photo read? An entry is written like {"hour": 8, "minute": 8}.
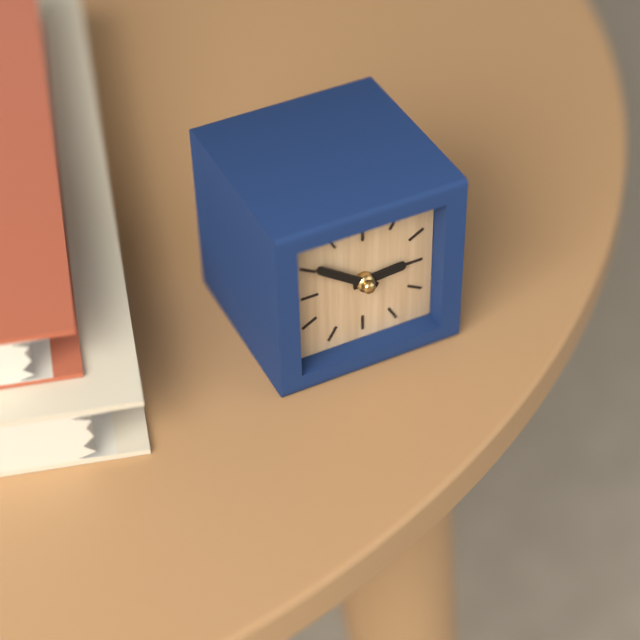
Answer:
{"hour": 2, "minute": 51}
